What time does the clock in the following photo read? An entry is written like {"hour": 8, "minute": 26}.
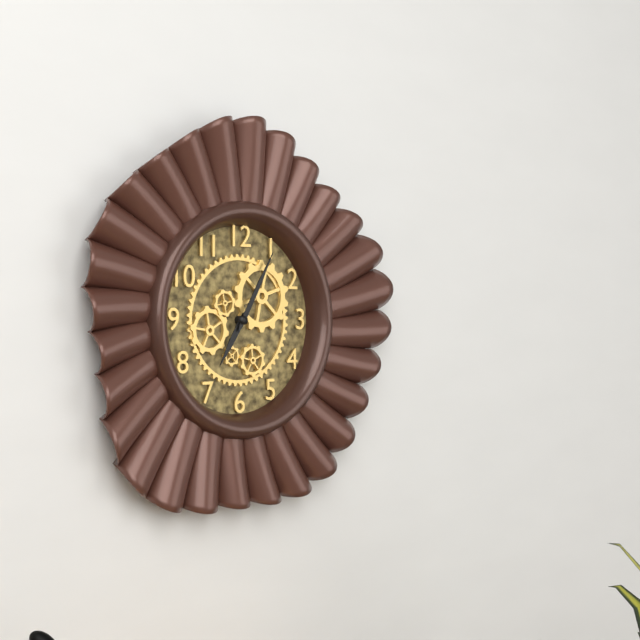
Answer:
{"hour": 7, "minute": 5}
